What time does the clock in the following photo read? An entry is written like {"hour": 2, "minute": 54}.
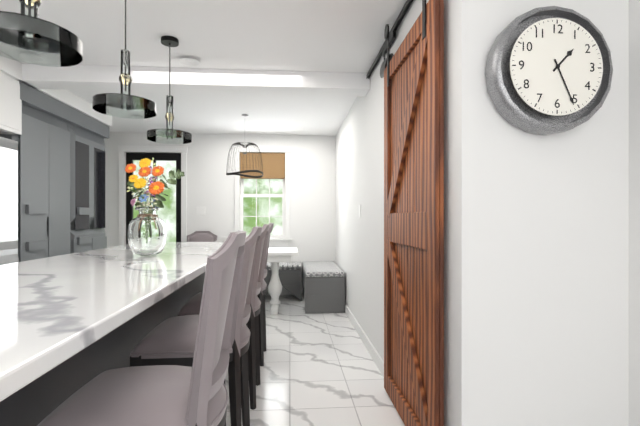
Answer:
{"hour": 1, "minute": 26}
